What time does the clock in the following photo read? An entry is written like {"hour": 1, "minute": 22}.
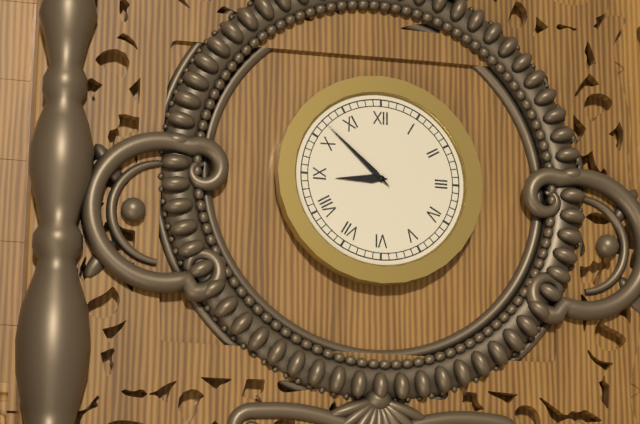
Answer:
{"hour": 8, "minute": 52}
